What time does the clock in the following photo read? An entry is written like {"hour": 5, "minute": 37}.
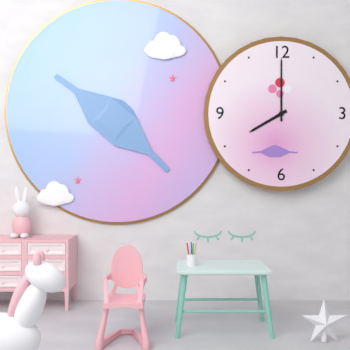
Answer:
{"hour": 8, "minute": 0}
